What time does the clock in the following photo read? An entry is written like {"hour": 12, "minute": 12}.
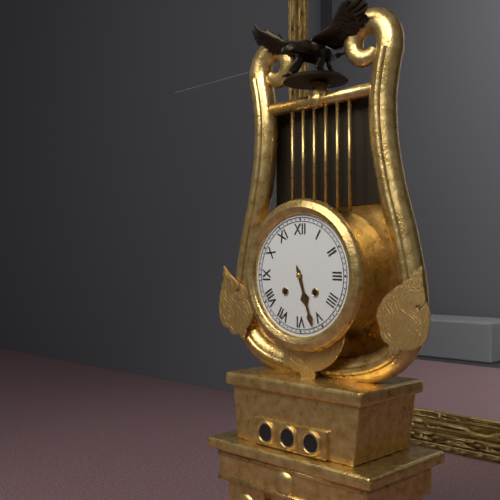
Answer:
{"hour": 5, "minute": 27}
